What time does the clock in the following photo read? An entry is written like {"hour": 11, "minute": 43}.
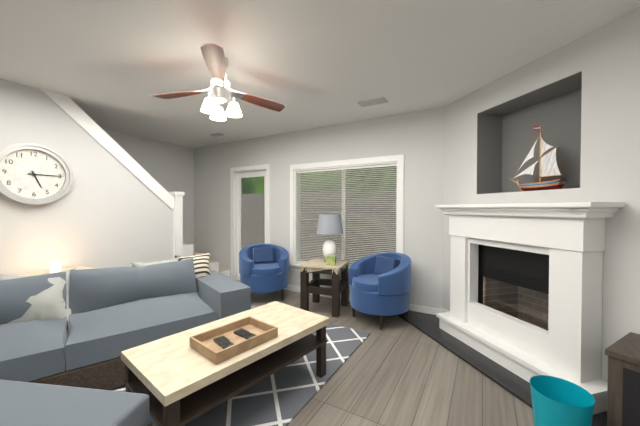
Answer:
{"hour": 5, "minute": 15}
